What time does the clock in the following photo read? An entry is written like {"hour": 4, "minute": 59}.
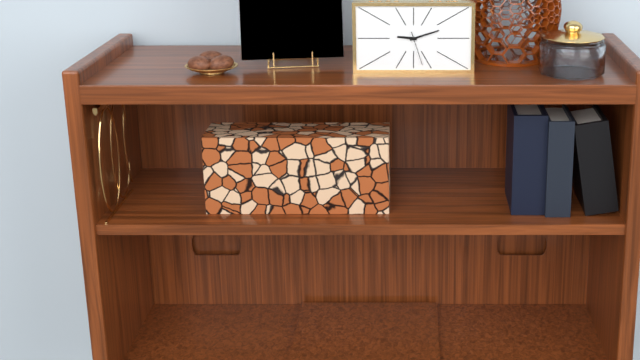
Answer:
{"hour": 9, "minute": 12}
